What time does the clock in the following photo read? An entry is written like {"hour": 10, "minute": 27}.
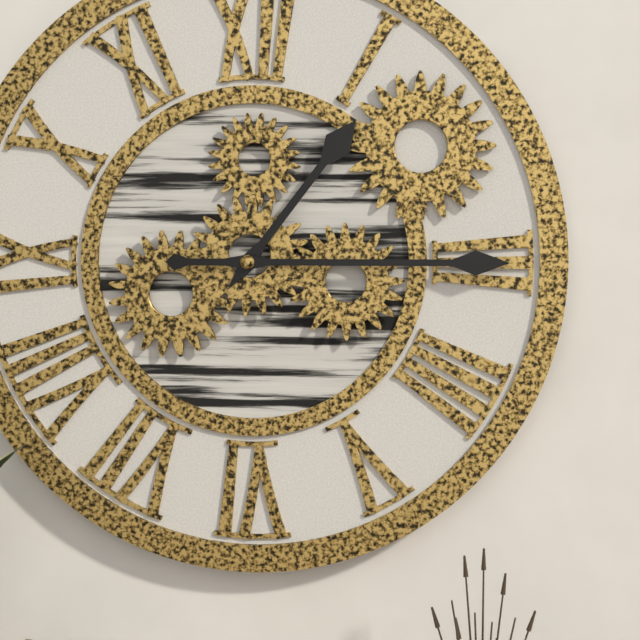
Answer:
{"hour": 1, "minute": 15}
